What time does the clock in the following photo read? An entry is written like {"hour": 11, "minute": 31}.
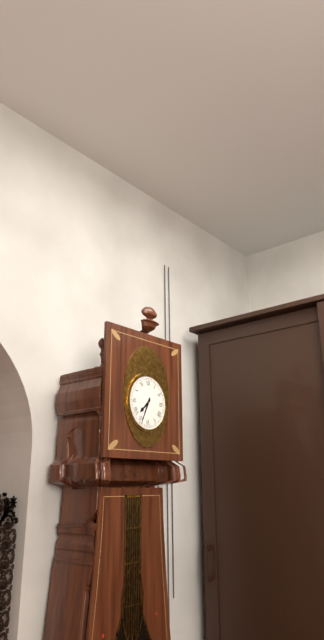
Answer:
{"hour": 7, "minute": 34}
